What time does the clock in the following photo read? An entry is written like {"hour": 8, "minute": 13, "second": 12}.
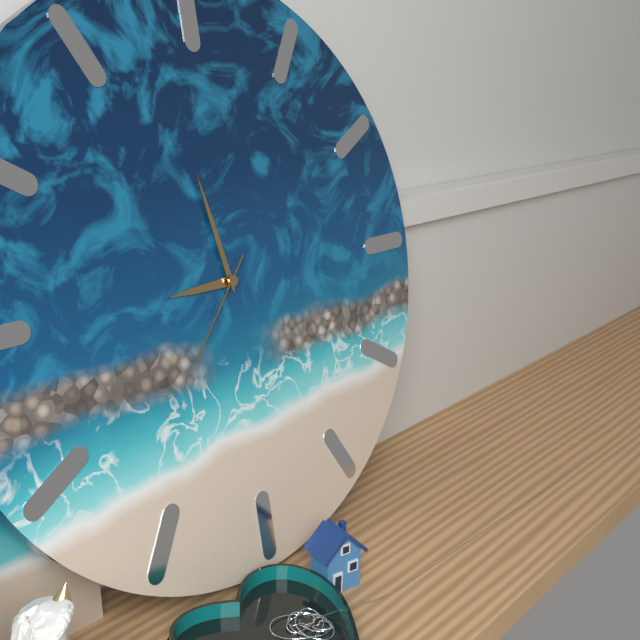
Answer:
{"hour": 8, "minute": 58, "second": 37}
